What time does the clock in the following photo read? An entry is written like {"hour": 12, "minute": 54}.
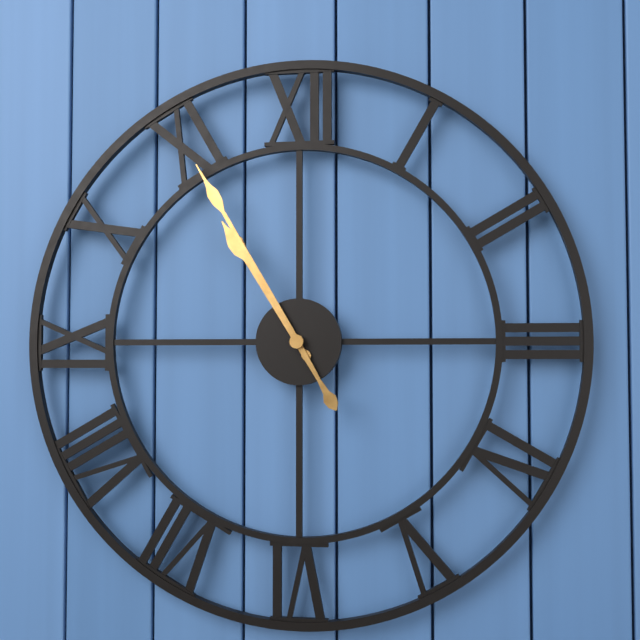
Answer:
{"hour": 10, "minute": 55}
